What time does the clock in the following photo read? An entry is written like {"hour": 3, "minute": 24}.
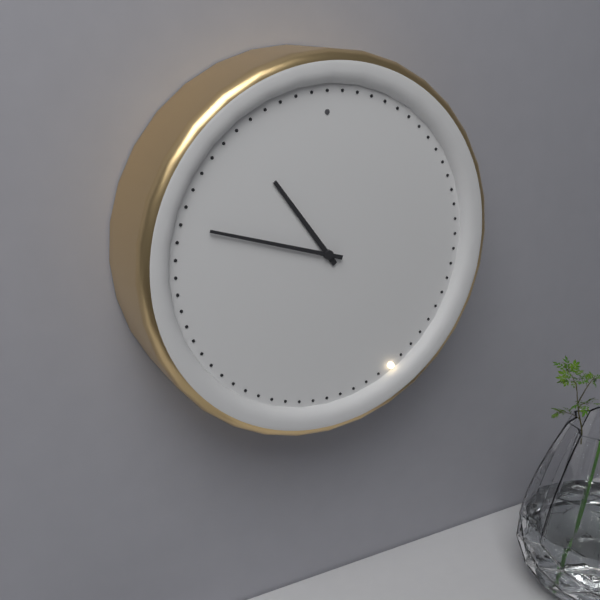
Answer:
{"hour": 10, "minute": 48}
